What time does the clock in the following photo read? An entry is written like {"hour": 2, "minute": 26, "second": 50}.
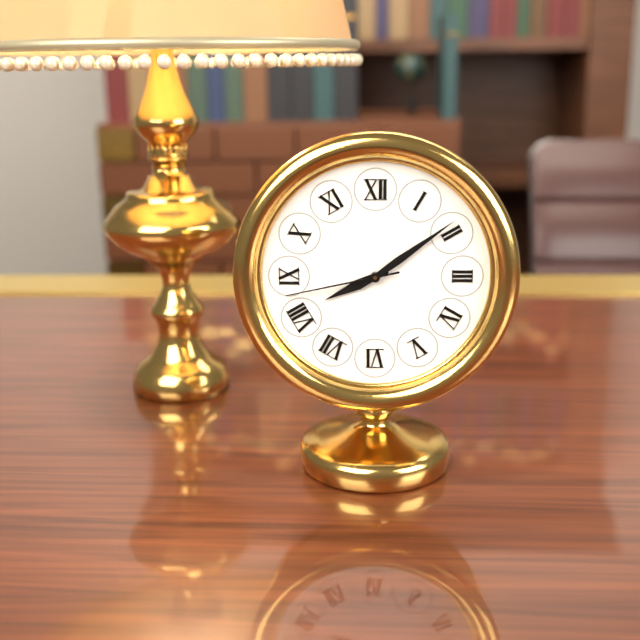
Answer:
{"hour": 8, "minute": 9, "second": 43}
